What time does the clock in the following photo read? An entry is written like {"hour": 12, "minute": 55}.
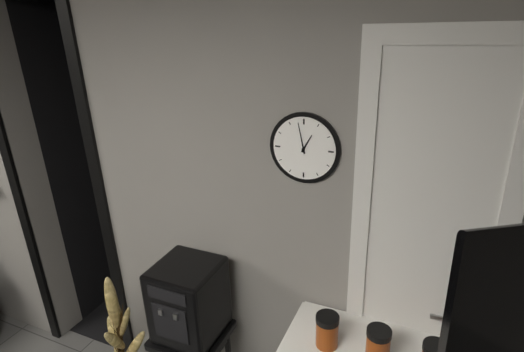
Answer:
{"hour": 12, "minute": 58}
